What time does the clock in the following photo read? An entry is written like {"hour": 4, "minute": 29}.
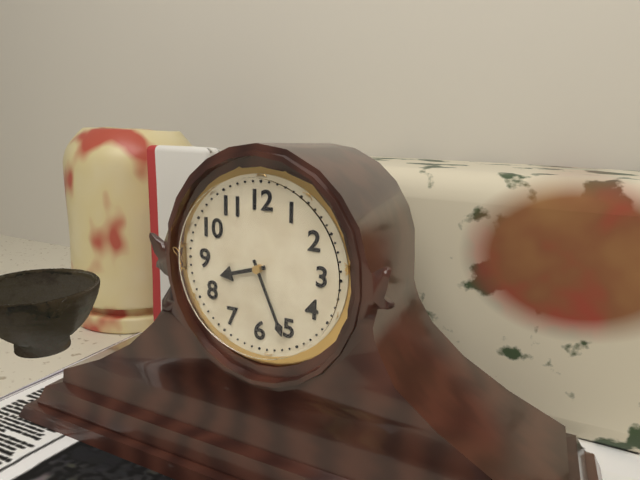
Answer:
{"hour": 8, "minute": 26}
